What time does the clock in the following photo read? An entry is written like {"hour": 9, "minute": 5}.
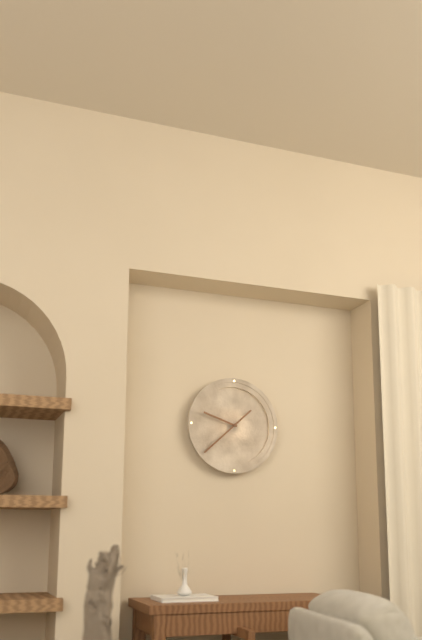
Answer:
{"hour": 9, "minute": 38}
